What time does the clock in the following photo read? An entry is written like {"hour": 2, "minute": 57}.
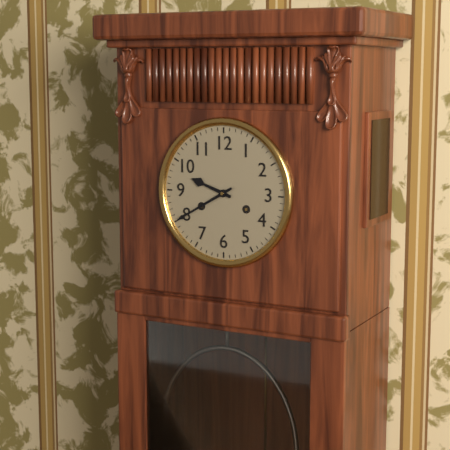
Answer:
{"hour": 9, "minute": 40}
